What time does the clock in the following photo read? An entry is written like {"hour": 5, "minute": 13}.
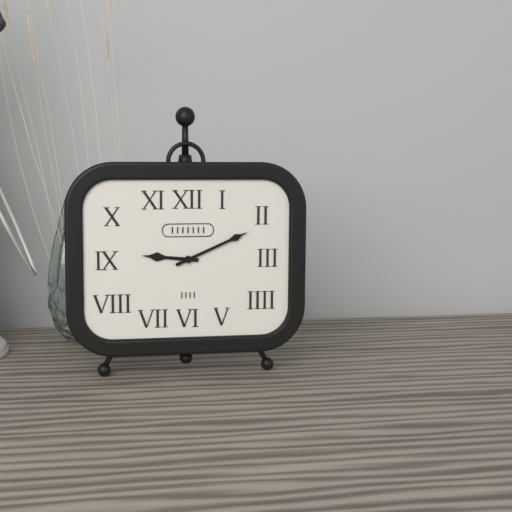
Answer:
{"hour": 9, "minute": 11}
